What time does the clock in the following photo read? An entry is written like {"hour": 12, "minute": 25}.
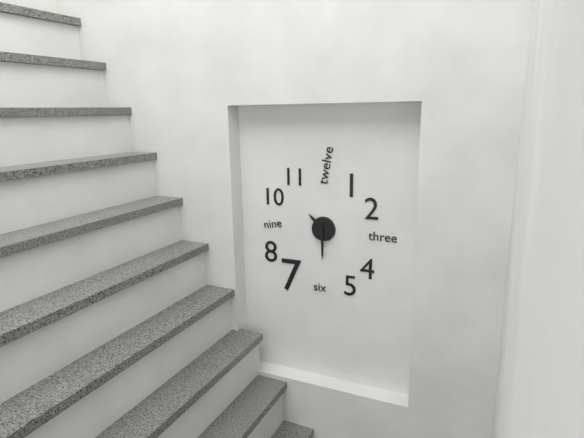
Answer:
{"hour": 10, "minute": 30}
